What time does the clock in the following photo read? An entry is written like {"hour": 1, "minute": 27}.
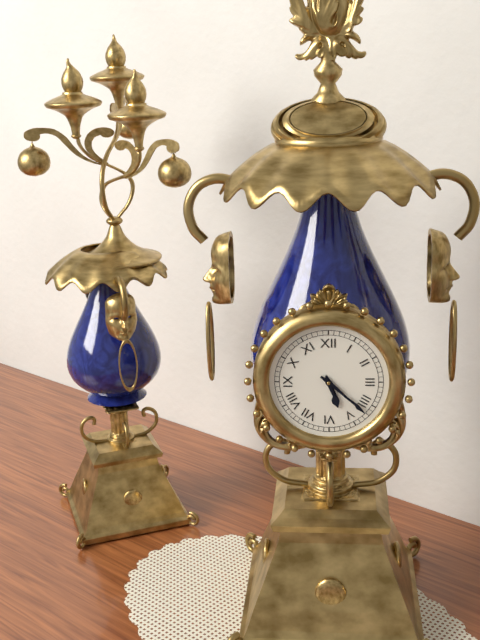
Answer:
{"hour": 5, "minute": 22}
